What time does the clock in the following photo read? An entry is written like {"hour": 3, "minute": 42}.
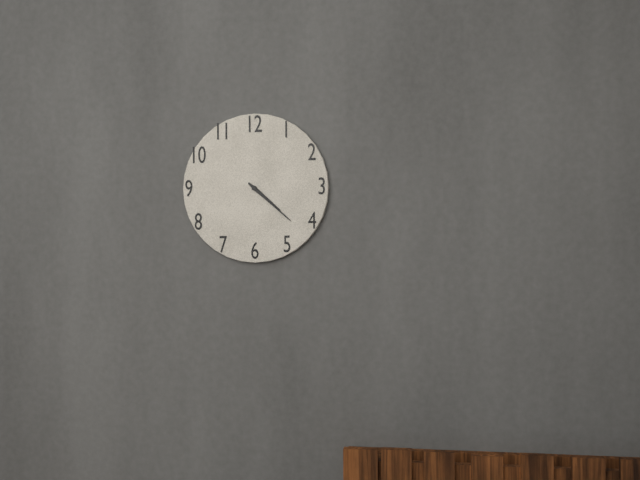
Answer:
{"hour": 4, "minute": 22}
